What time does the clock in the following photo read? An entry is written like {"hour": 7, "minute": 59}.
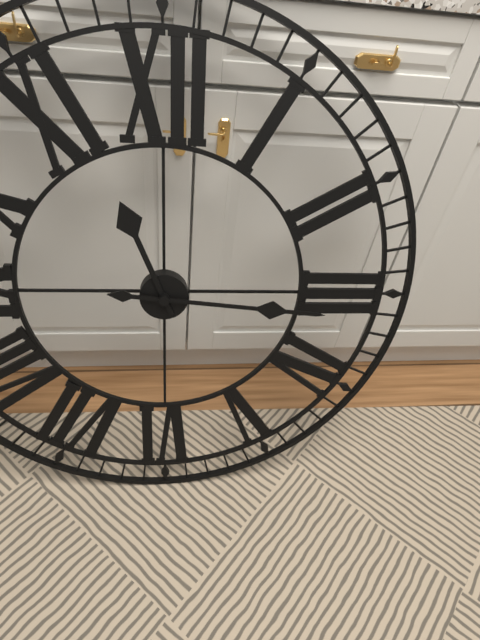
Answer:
{"hour": 11, "minute": 16}
